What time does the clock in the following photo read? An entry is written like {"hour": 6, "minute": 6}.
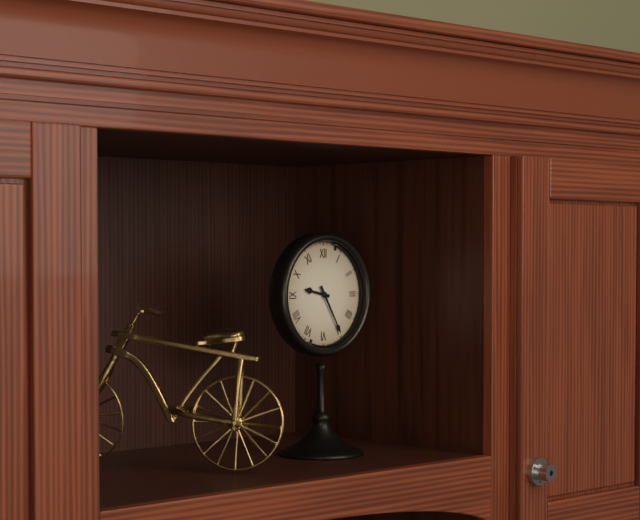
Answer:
{"hour": 9, "minute": 25}
